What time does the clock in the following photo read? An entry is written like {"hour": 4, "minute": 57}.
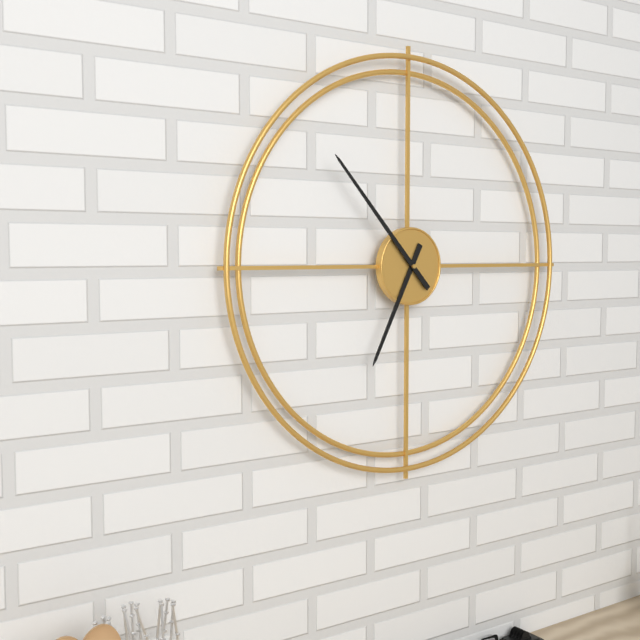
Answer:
{"hour": 6, "minute": 53}
